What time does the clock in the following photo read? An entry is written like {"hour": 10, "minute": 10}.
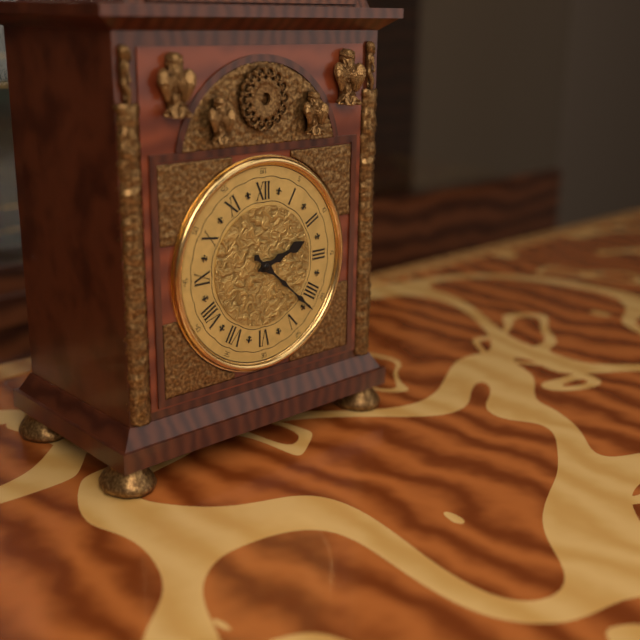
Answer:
{"hour": 2, "minute": 22}
